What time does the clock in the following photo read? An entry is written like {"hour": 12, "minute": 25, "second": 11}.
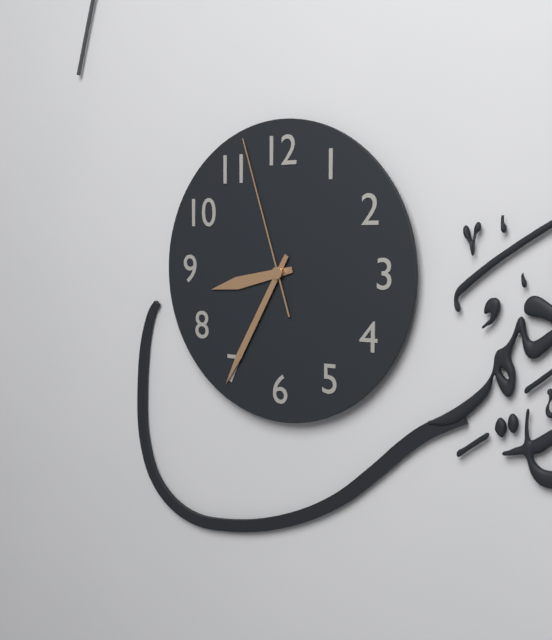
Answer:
{"hour": 8, "minute": 35, "second": 57}
